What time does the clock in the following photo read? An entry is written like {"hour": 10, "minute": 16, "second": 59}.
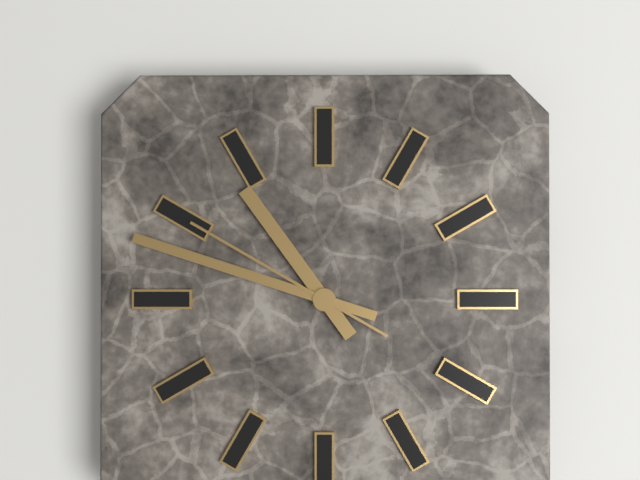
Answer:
{"hour": 10, "minute": 48, "second": 50}
